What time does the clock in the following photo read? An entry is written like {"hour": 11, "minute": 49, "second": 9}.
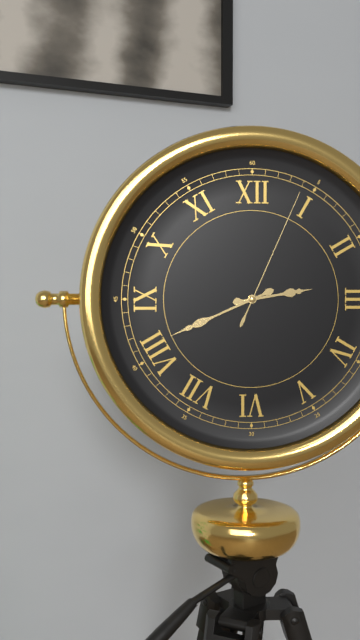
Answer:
{"hour": 2, "minute": 41, "second": 4}
